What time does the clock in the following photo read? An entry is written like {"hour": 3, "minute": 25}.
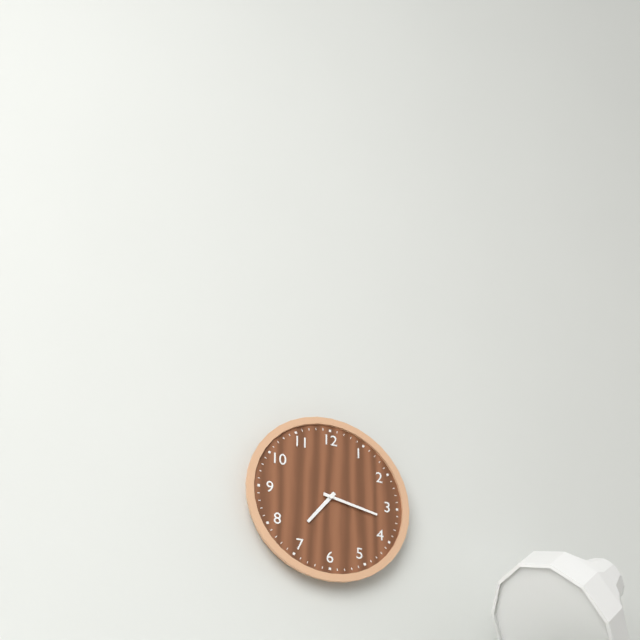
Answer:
{"hour": 7, "minute": 17}
